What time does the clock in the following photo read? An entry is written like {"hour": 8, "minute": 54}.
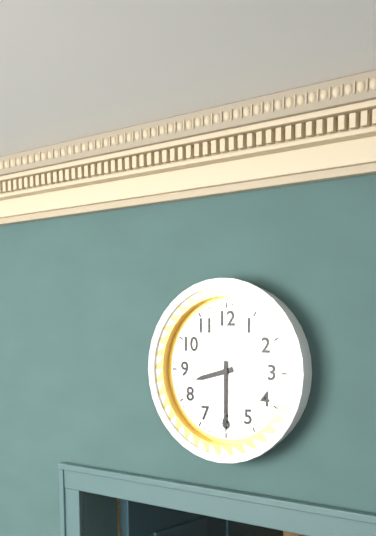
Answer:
{"hour": 8, "minute": 30}
